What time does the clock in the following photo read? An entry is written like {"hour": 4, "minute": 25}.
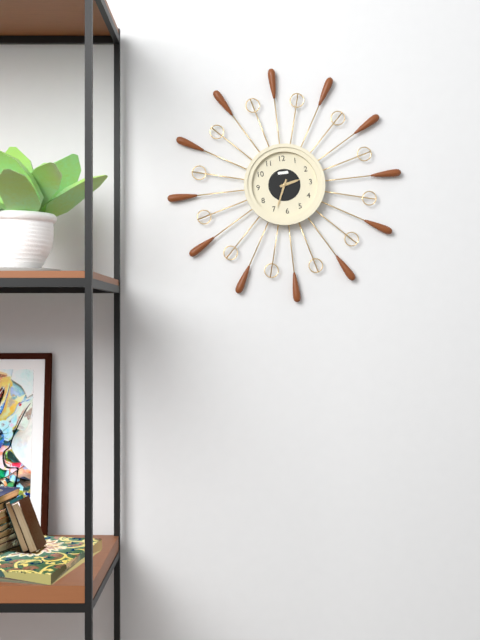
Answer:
{"hour": 2, "minute": 34}
